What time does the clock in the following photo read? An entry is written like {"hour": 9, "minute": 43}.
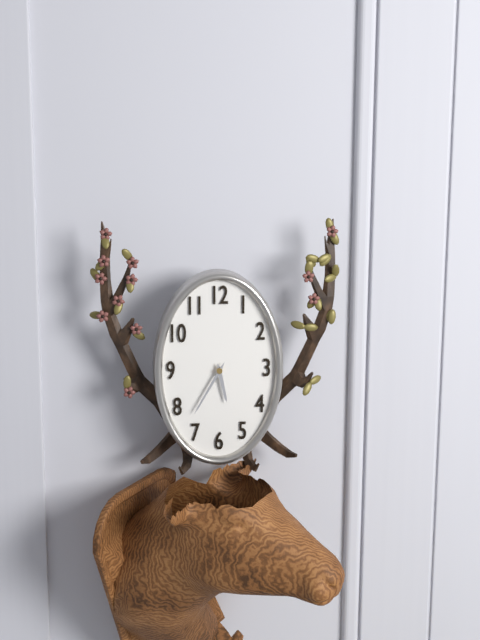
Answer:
{"hour": 5, "minute": 35}
